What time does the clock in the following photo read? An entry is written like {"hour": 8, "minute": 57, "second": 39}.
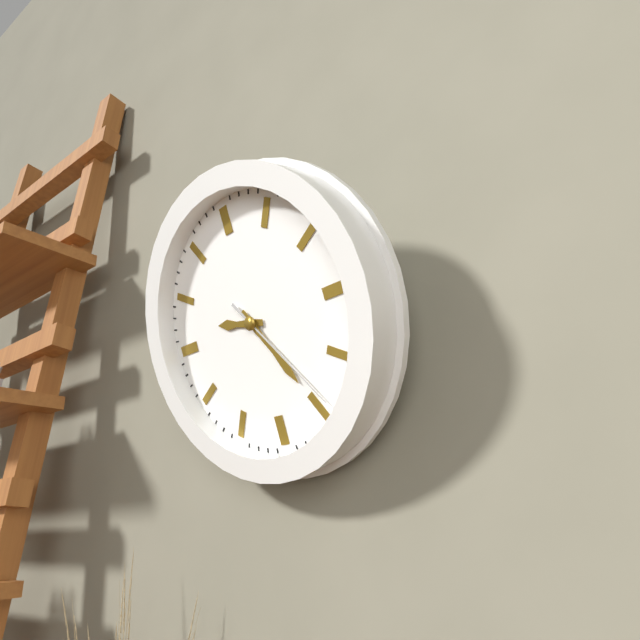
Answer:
{"hour": 9, "minute": 25, "second": 24}
